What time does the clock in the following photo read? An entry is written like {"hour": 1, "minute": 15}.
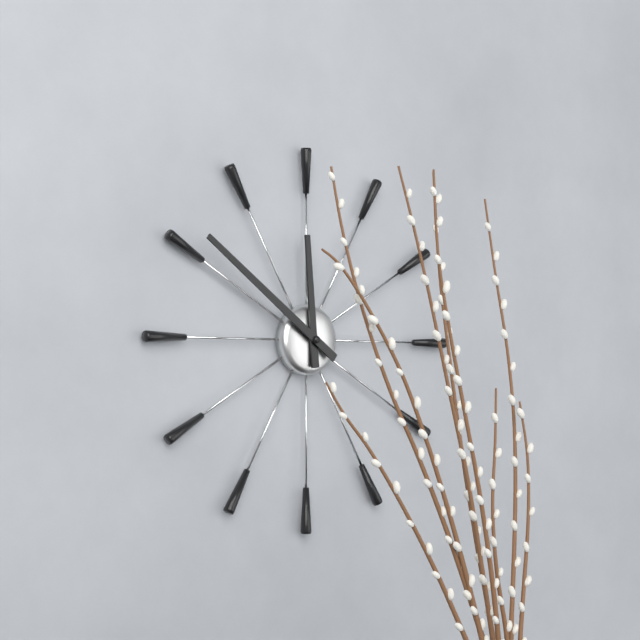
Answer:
{"hour": 11, "minute": 51}
